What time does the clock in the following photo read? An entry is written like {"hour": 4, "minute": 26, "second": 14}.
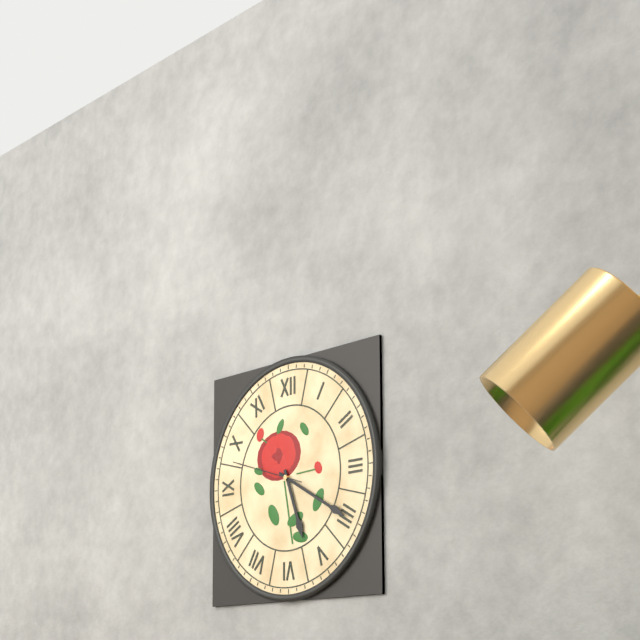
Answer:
{"hour": 5, "minute": 20, "second": 48}
